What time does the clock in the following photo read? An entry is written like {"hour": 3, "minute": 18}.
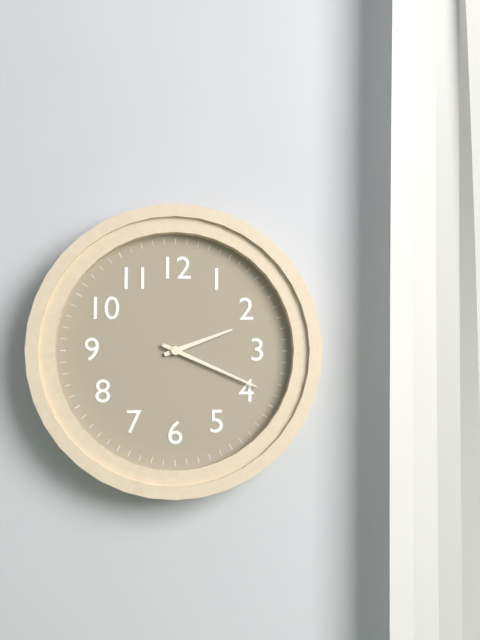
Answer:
{"hour": 2, "minute": 19}
